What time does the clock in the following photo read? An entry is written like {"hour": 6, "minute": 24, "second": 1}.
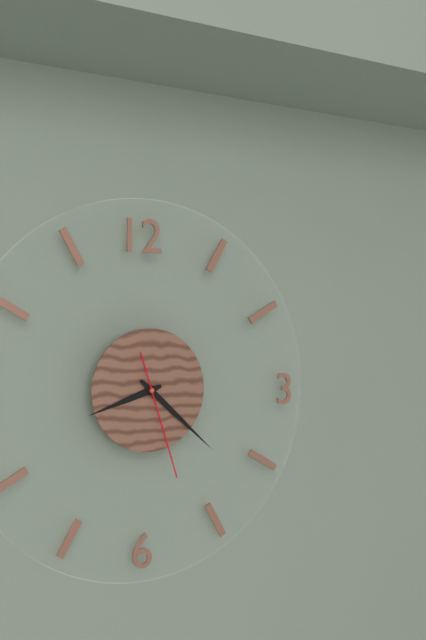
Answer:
{"hour": 8, "minute": 22, "second": 27}
